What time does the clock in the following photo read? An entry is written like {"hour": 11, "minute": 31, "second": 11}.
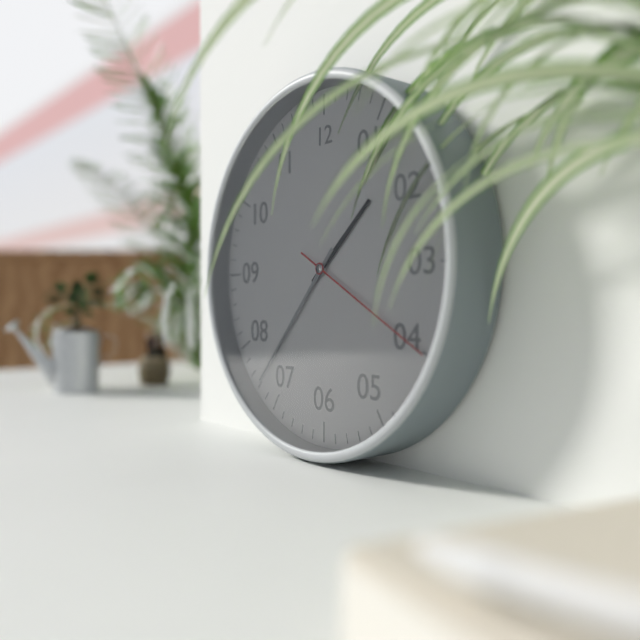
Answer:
{"hour": 1, "minute": 37, "second": 20}
